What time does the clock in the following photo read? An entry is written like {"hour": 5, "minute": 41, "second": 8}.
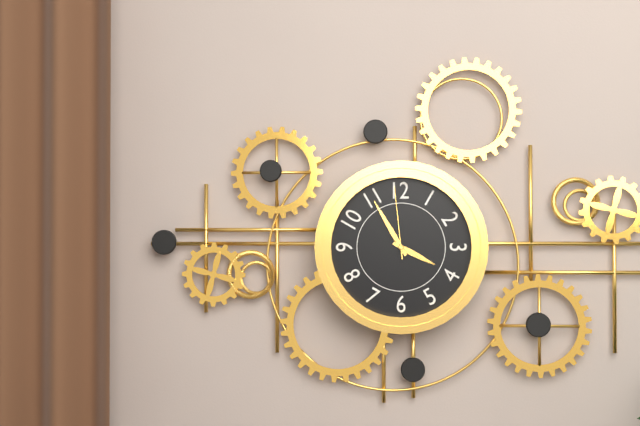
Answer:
{"hour": 3, "minute": 55, "second": 59}
